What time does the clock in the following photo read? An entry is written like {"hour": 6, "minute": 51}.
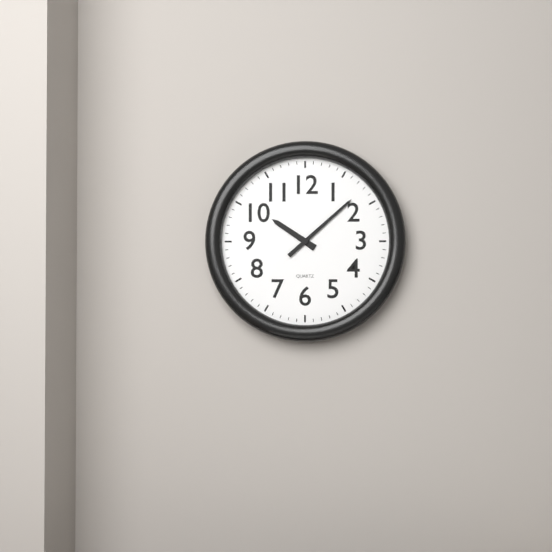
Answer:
{"hour": 10, "minute": 8}
